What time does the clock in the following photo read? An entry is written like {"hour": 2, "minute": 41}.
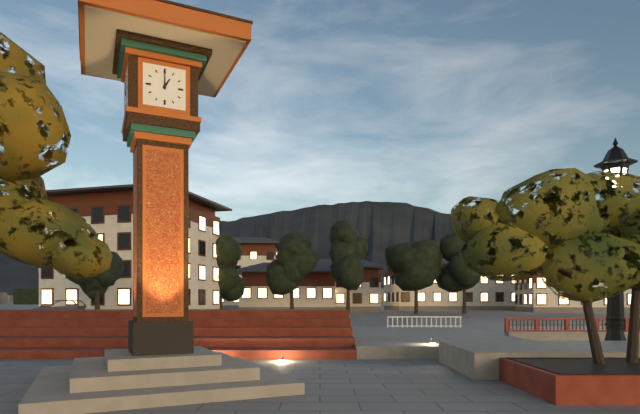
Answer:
{"hour": 1, "minute": 0}
